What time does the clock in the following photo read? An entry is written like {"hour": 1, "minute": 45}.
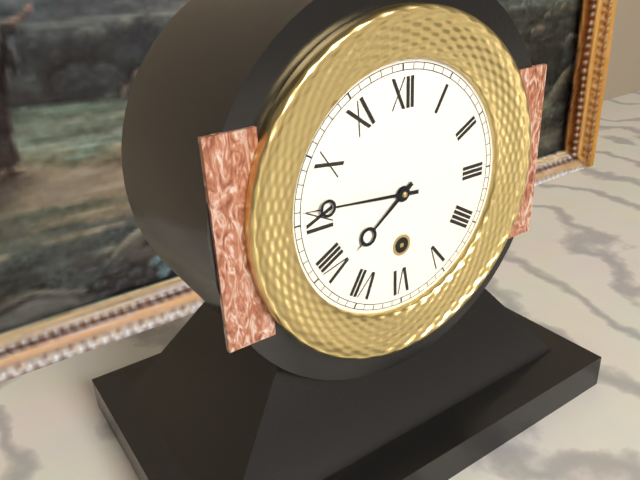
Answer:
{"hour": 7, "minute": 46}
